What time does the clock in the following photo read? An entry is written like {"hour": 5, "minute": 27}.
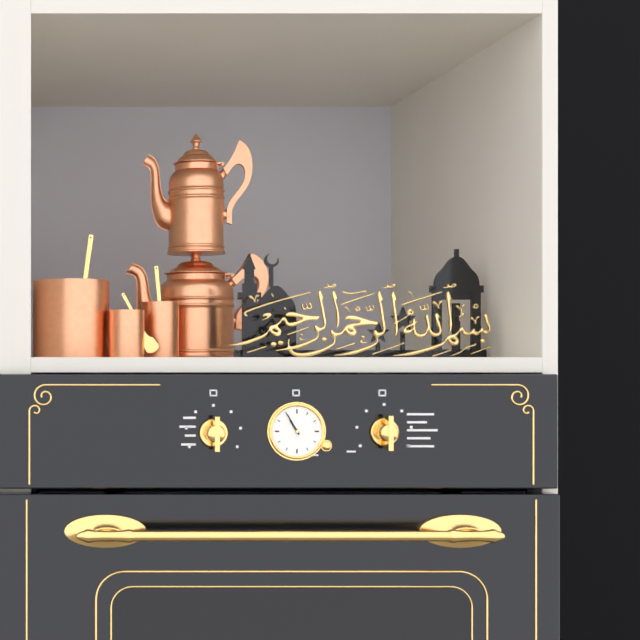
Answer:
{"hour": 10, "minute": 55}
